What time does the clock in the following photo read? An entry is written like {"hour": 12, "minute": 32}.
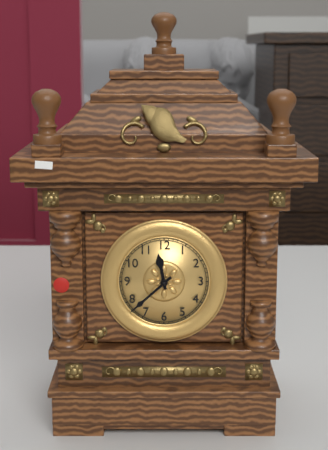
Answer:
{"hour": 11, "minute": 38}
